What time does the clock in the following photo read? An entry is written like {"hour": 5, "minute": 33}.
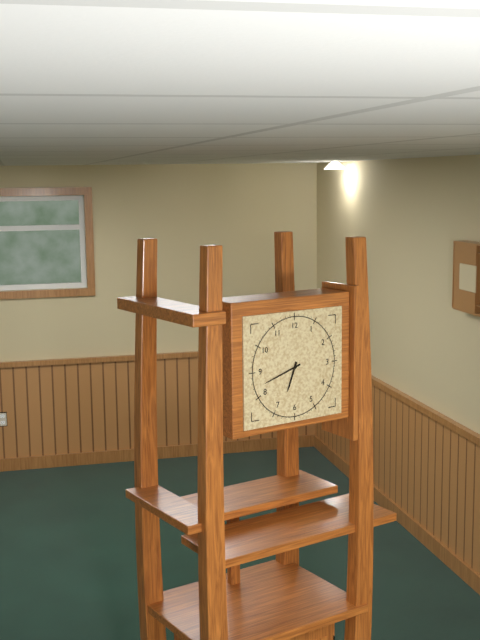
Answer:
{"hour": 6, "minute": 42}
